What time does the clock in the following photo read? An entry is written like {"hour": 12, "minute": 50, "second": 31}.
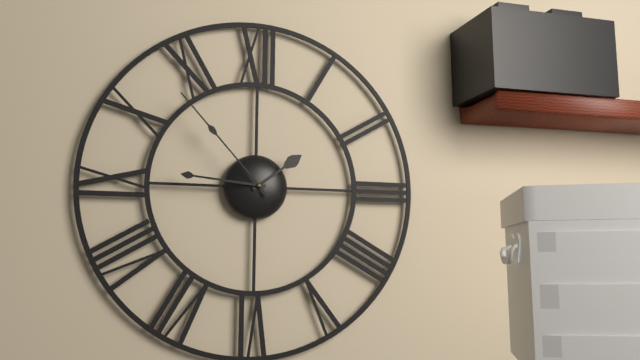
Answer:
{"hour": 1, "minute": 46, "second": 53}
